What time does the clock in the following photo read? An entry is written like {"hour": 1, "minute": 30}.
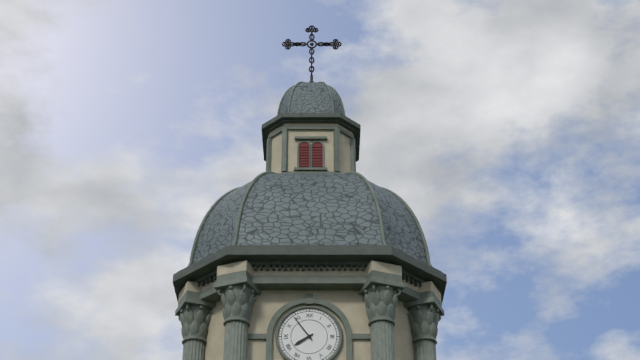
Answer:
{"hour": 7, "minute": 54}
